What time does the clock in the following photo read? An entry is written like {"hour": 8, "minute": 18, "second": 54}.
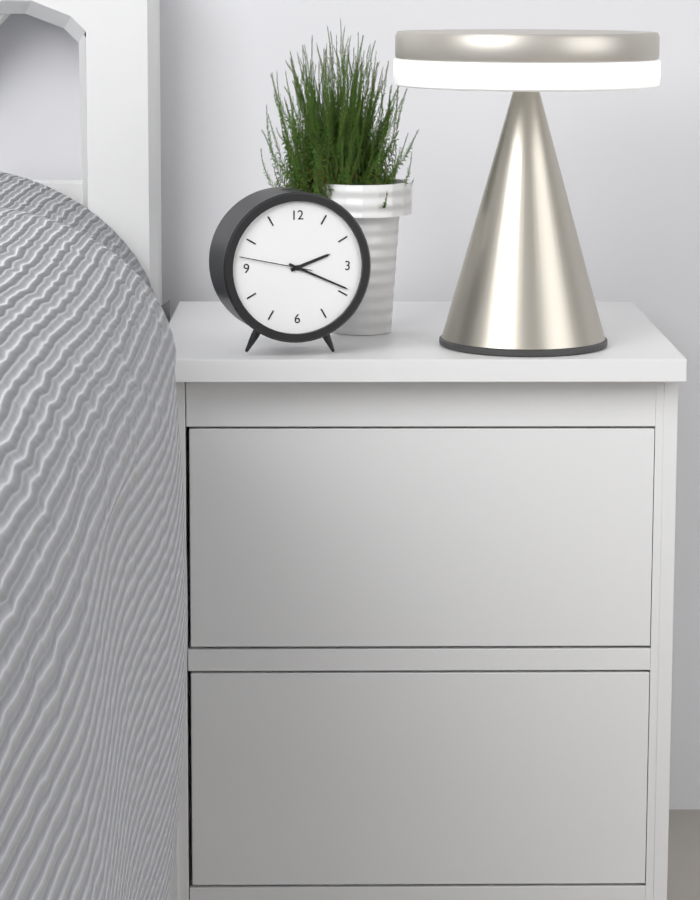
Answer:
{"hour": 2, "minute": 19, "second": 47}
